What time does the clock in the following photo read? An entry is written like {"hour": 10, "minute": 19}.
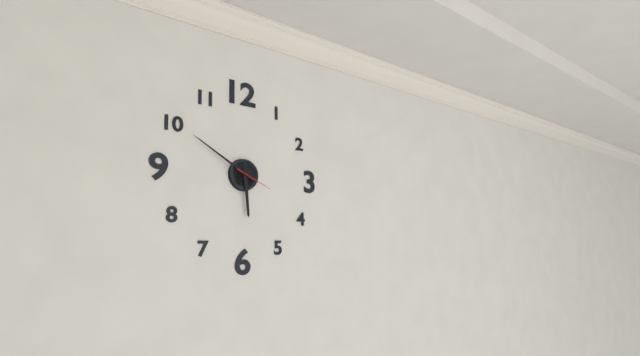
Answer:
{"hour": 5, "minute": 50}
